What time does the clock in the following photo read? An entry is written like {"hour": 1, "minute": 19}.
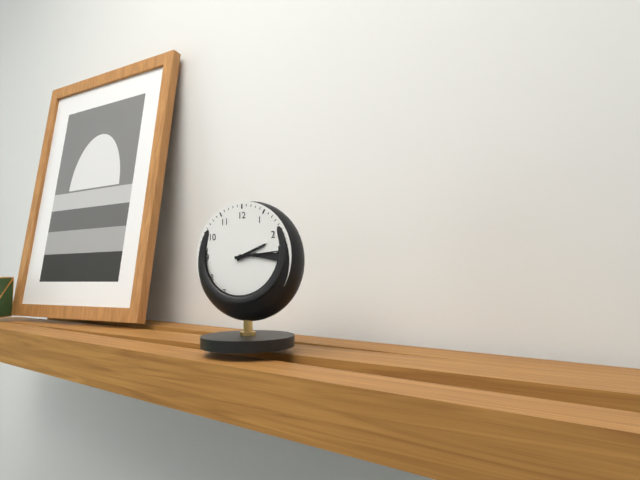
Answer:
{"hour": 2, "minute": 14}
